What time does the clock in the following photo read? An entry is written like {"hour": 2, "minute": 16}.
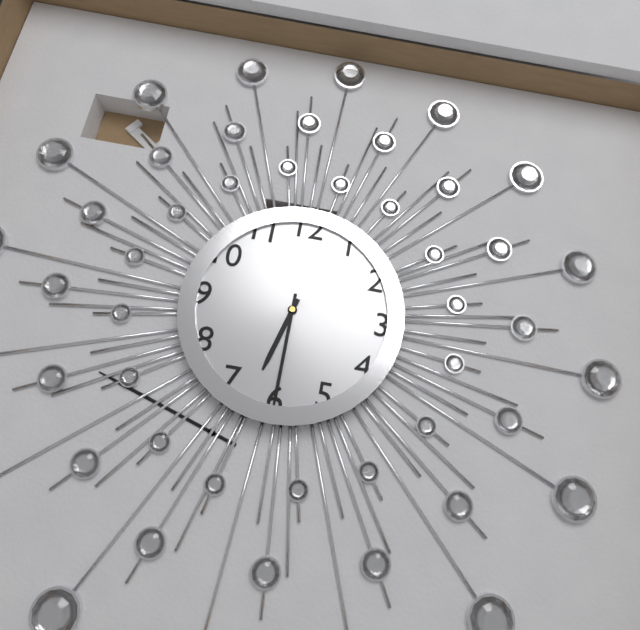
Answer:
{"hour": 6, "minute": 30}
